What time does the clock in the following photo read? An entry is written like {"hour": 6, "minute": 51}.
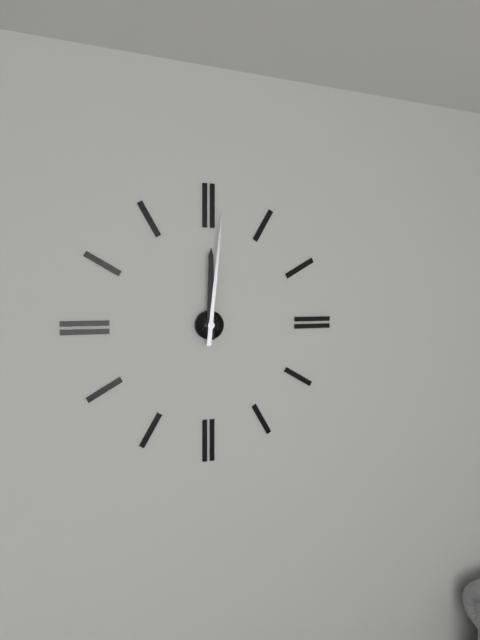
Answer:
{"hour": 12, "minute": 1}
